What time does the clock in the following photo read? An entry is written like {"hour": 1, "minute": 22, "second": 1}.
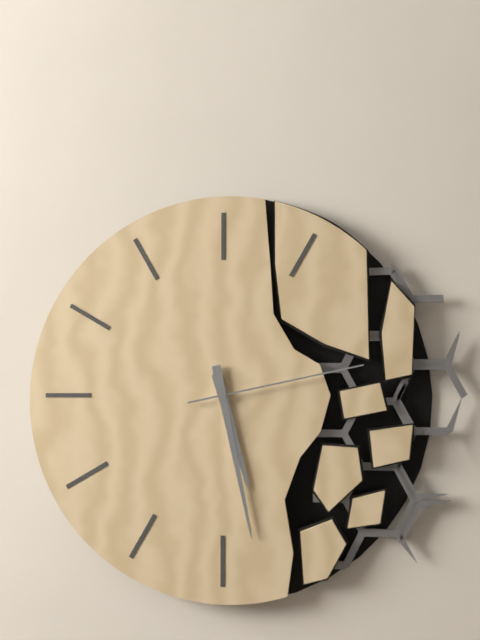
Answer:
{"hour": 5, "minute": 28, "second": 13}
